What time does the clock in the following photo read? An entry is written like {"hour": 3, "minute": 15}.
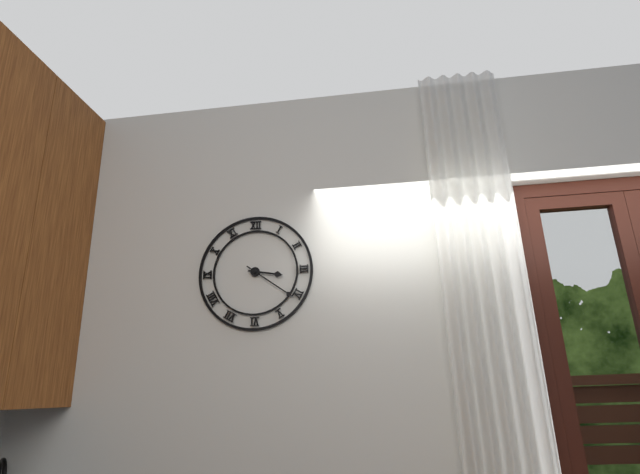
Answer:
{"hour": 3, "minute": 21}
